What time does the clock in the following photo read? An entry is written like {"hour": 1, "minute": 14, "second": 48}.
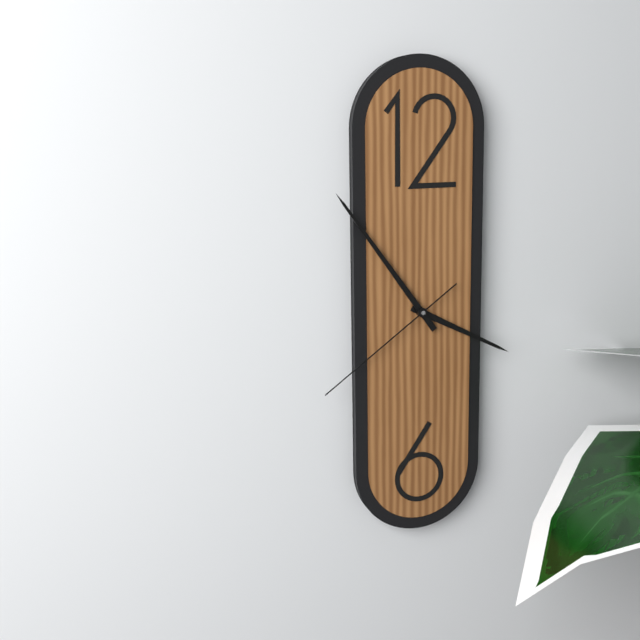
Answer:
{"hour": 3, "minute": 54, "second": 39}
